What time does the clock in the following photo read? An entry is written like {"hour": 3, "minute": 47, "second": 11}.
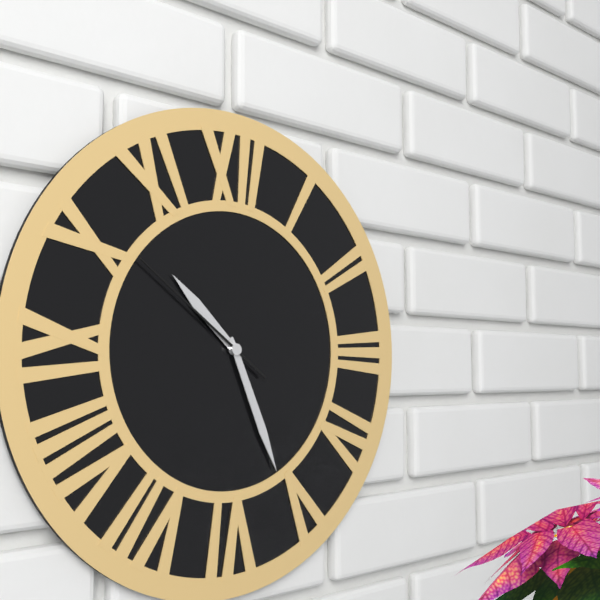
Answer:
{"hour": 10, "minute": 26, "second": 51}
